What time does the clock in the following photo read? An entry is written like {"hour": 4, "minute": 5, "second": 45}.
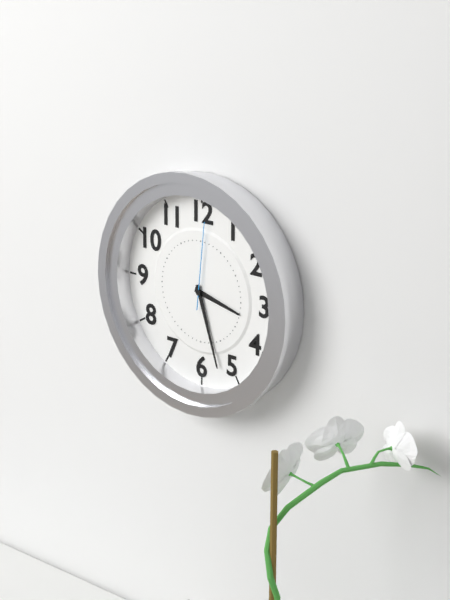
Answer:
{"hour": 3, "minute": 27, "second": 1}
